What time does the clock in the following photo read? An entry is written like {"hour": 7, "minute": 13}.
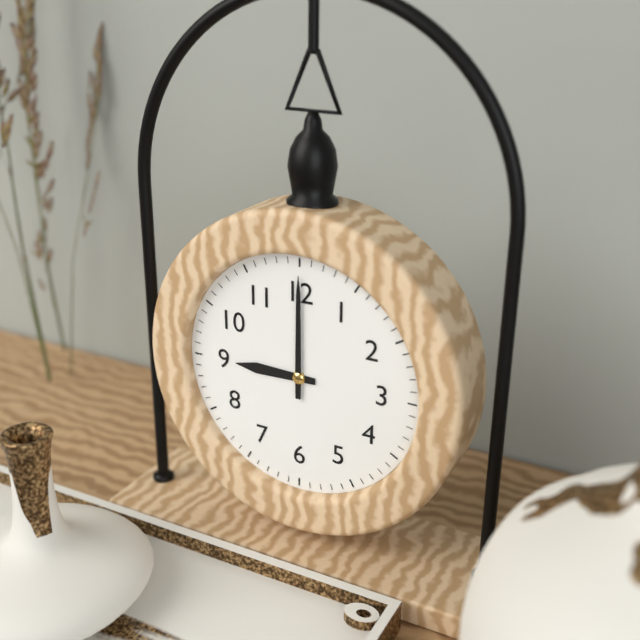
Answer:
{"hour": 9, "minute": 0}
